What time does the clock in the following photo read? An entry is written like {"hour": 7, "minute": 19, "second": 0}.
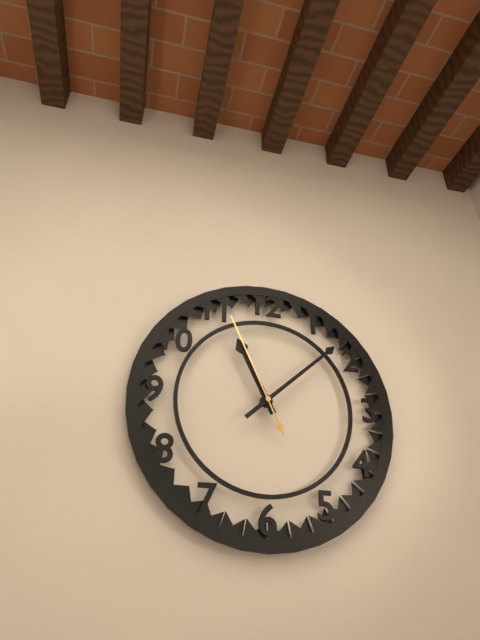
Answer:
{"hour": 11, "minute": 8, "second": 56}
